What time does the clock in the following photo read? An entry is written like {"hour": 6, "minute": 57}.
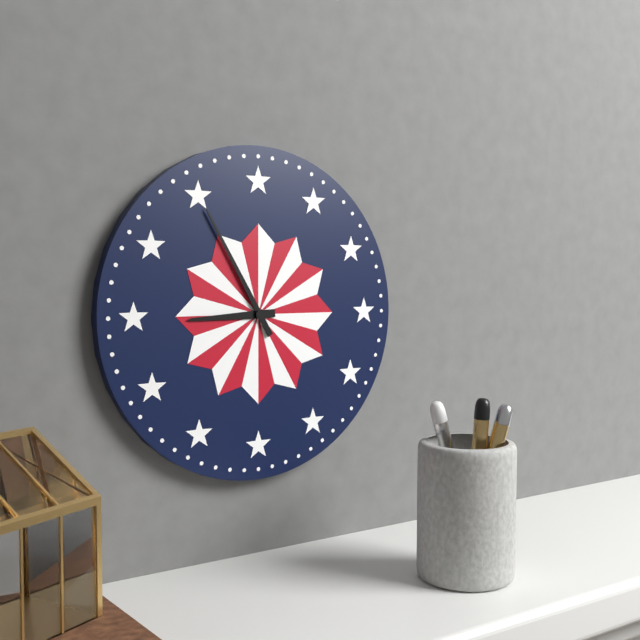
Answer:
{"hour": 8, "minute": 55}
